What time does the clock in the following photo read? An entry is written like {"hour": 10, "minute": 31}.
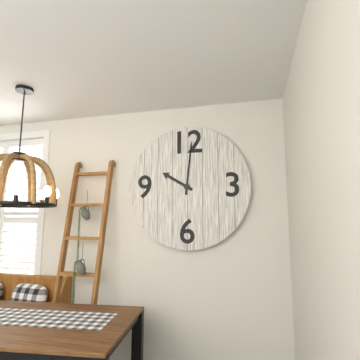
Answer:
{"hour": 10, "minute": 1}
